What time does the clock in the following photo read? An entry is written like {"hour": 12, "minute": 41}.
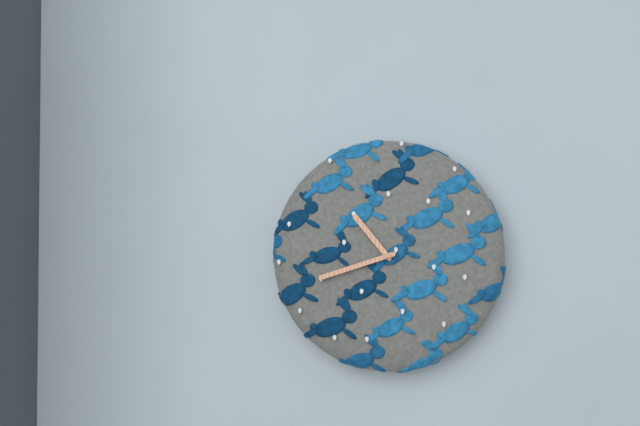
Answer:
{"hour": 10, "minute": 42}
